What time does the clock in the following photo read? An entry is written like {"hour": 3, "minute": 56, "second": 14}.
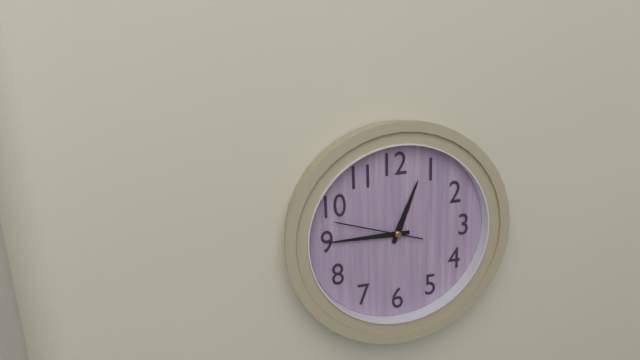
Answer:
{"hour": 12, "minute": 45, "second": 48}
